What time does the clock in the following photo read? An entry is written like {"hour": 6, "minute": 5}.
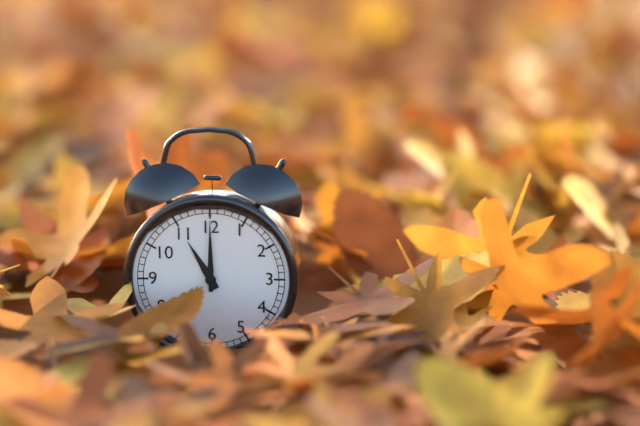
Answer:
{"hour": 11, "minute": 0}
